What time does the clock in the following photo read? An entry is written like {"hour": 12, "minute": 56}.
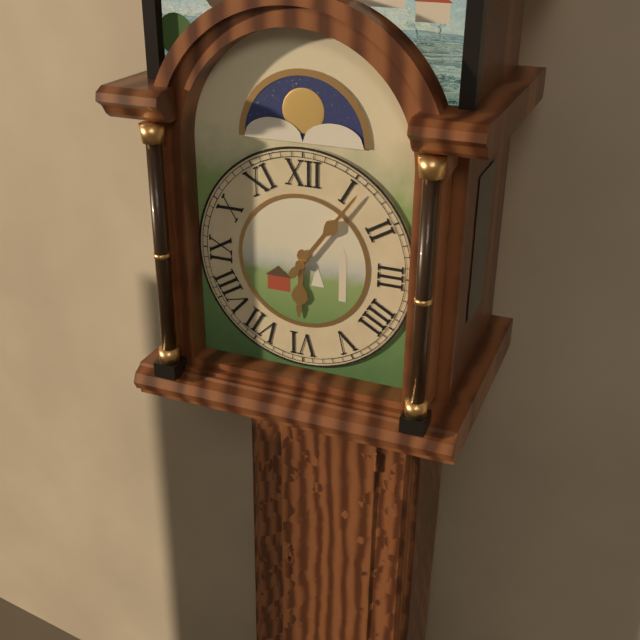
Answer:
{"hour": 6, "minute": 6}
